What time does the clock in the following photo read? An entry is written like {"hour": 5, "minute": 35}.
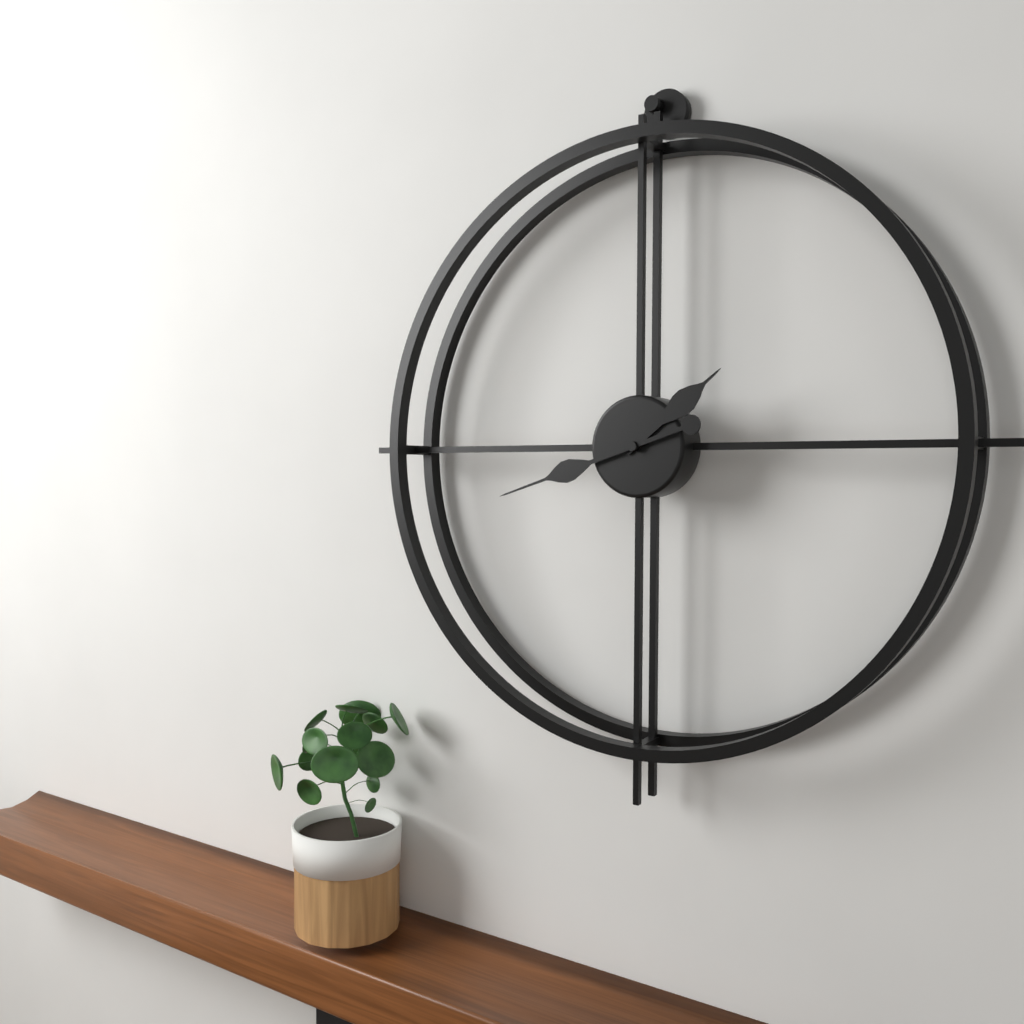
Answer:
{"hour": 1, "minute": 42}
